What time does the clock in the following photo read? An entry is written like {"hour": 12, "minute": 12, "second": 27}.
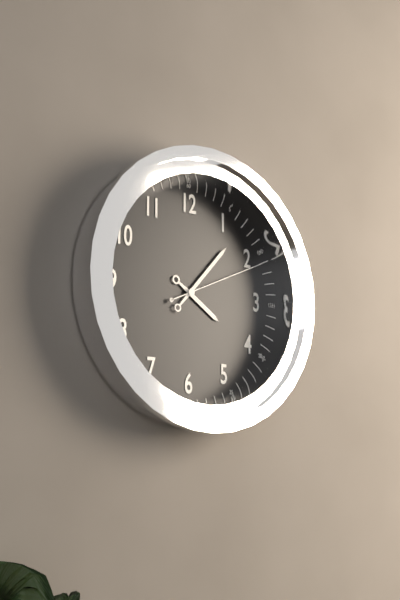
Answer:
{"hour": 4, "minute": 7, "second": 11}
